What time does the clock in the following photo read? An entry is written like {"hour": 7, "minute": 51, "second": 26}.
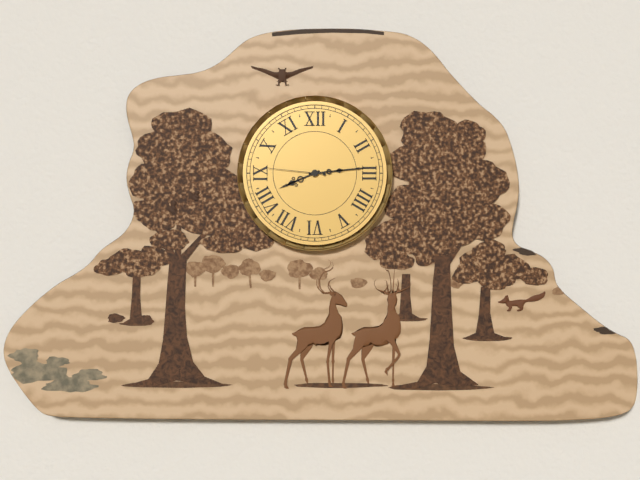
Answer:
{"hour": 8, "minute": 14, "second": 46}
